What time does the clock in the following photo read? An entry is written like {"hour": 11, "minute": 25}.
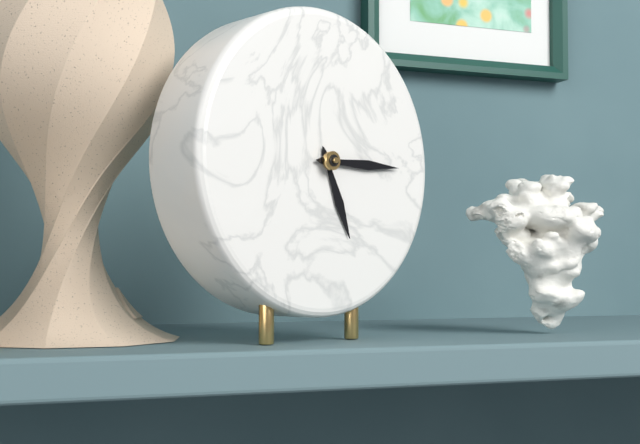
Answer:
{"hour": 5, "minute": 15}
